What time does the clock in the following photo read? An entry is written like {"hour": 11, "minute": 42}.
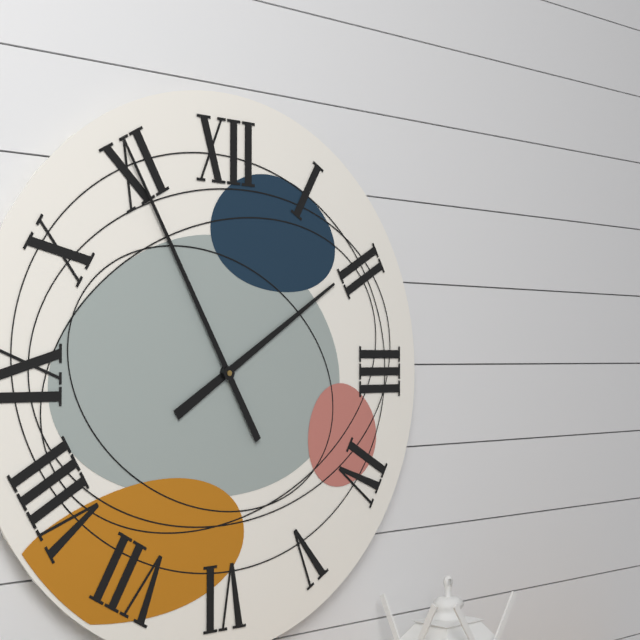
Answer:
{"hour": 1, "minute": 55}
